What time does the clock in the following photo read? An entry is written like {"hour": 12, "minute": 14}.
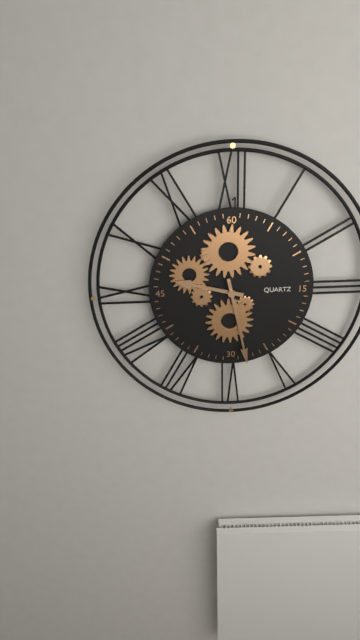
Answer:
{"hour": 9, "minute": 28}
